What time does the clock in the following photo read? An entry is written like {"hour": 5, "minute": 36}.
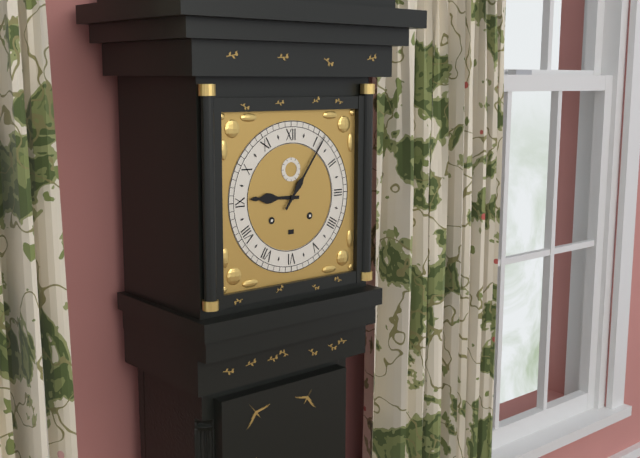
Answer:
{"hour": 9, "minute": 6}
